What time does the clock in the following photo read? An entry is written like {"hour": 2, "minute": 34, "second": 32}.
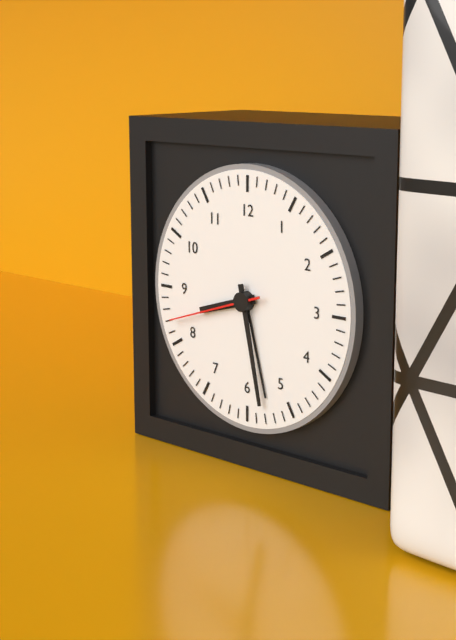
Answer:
{"hour": 8, "minute": 28, "second": 42}
